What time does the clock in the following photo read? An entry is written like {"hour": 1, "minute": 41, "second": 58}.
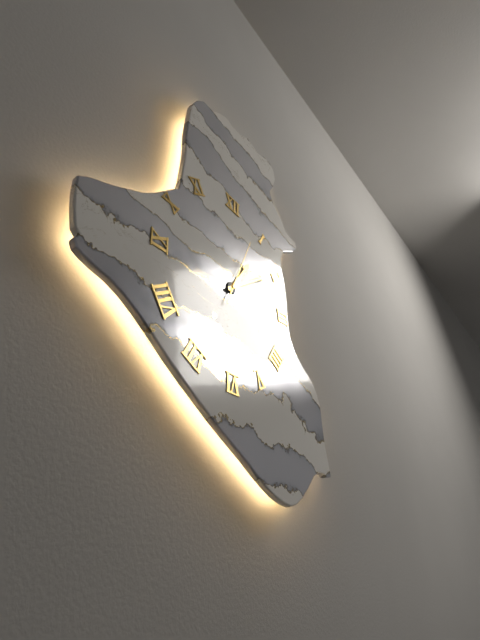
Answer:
{"hour": 1, "minute": 9, "second": 4}
